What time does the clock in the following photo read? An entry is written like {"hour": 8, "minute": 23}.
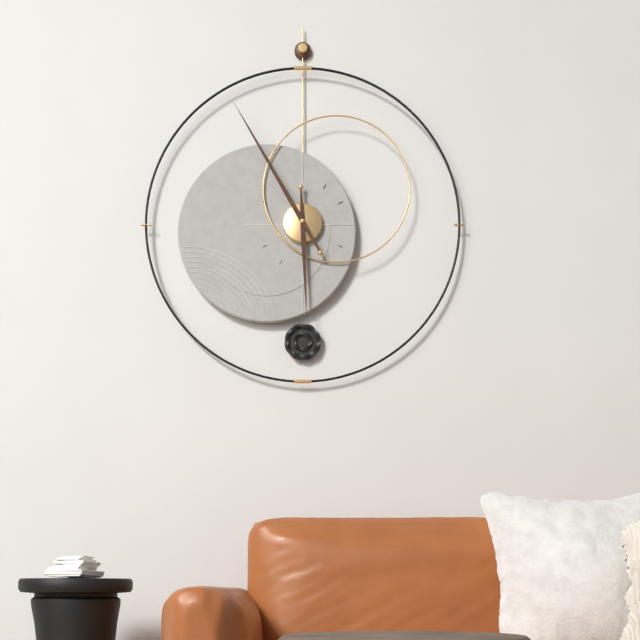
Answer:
{"hour": 5, "minute": 55}
